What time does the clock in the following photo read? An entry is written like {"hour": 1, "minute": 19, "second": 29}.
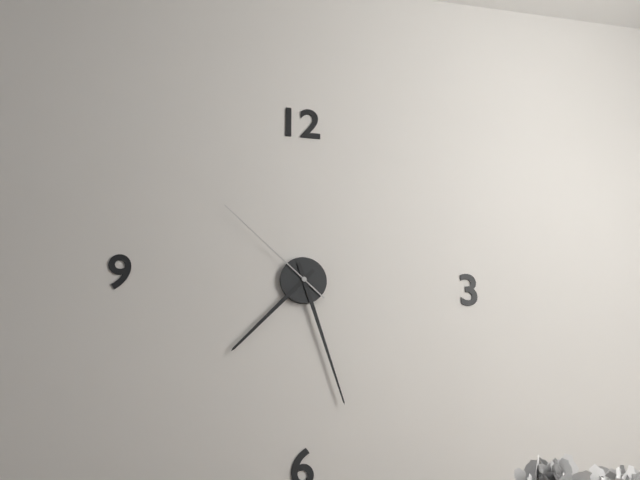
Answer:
{"hour": 7, "minute": 27, "second": 52}
